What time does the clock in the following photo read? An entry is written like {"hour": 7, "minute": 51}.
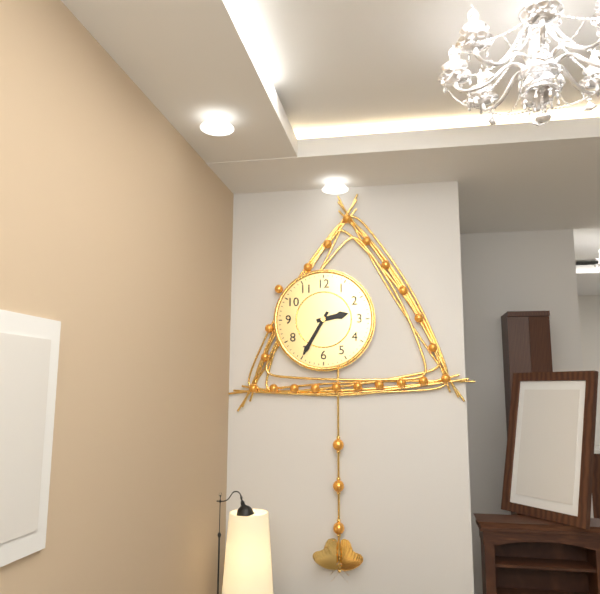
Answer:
{"hour": 2, "minute": 35}
